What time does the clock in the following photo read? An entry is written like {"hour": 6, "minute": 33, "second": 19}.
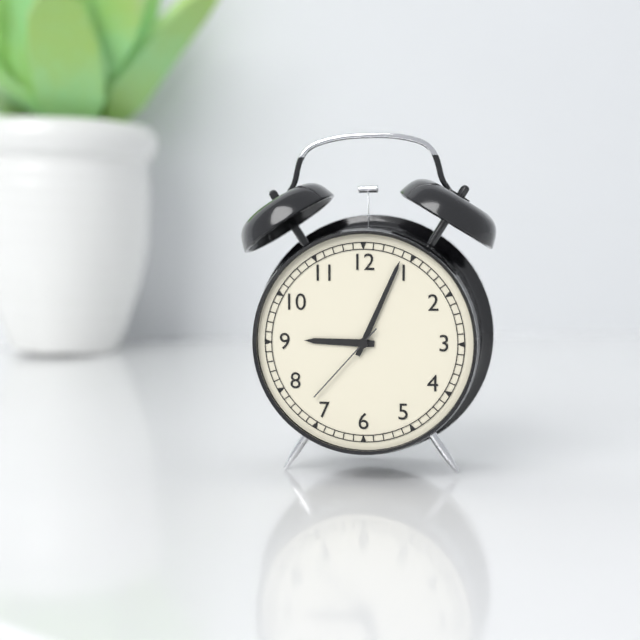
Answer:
{"hour": 9, "minute": 4, "second": 37}
